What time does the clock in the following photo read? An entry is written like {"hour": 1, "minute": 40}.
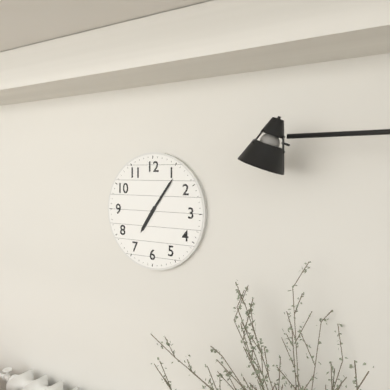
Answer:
{"hour": 7, "minute": 6}
